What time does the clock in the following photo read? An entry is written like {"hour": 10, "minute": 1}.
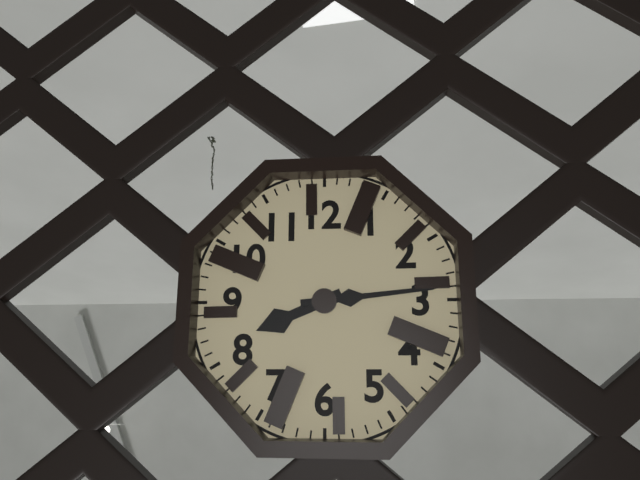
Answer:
{"hour": 8, "minute": 14}
